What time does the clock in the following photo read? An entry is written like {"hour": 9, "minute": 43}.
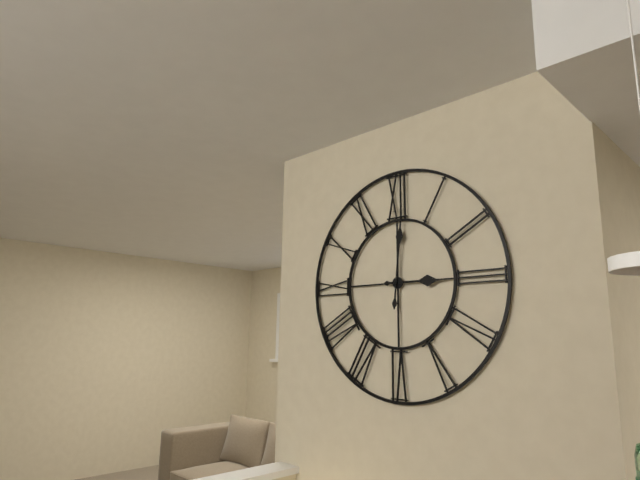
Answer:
{"hour": 3, "minute": 1}
